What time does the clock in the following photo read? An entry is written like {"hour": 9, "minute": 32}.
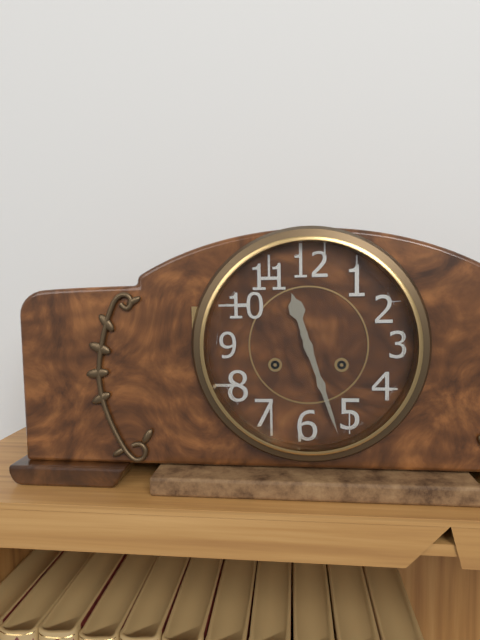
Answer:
{"hour": 11, "minute": 27}
